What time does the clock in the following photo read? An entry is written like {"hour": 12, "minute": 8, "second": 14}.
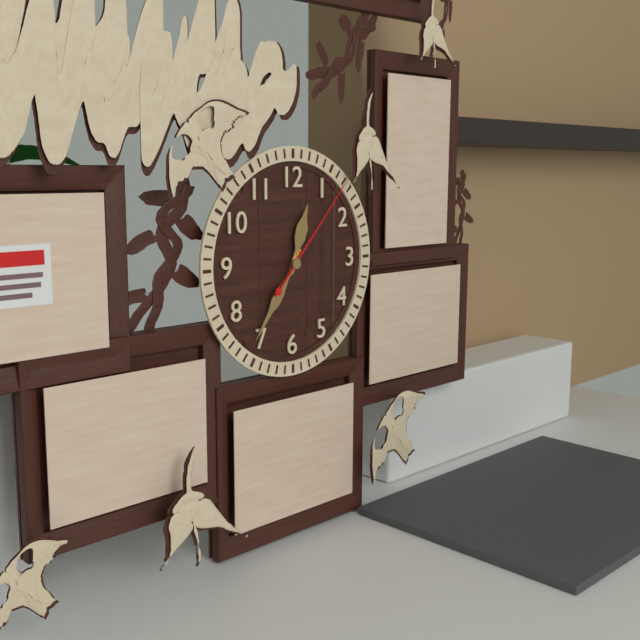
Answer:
{"hour": 12, "minute": 36, "second": 7}
